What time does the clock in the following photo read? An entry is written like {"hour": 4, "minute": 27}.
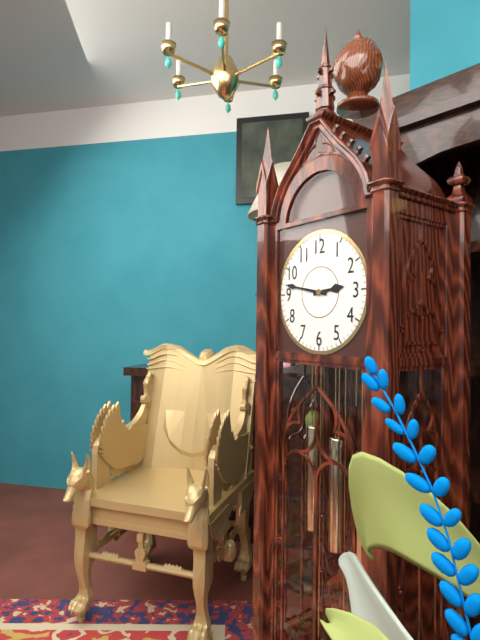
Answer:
{"hour": 2, "minute": 47}
